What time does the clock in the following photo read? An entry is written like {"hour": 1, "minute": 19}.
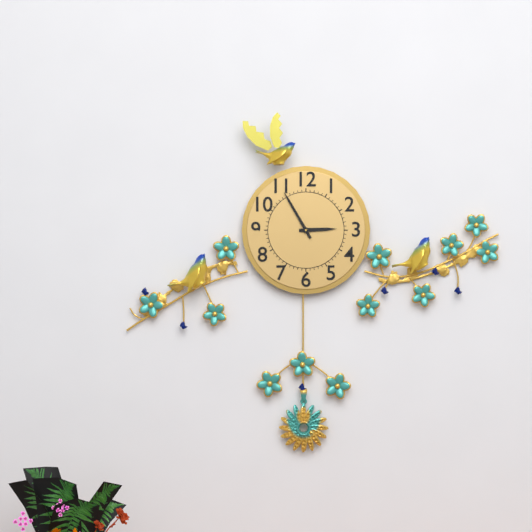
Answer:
{"hour": 2, "minute": 55}
